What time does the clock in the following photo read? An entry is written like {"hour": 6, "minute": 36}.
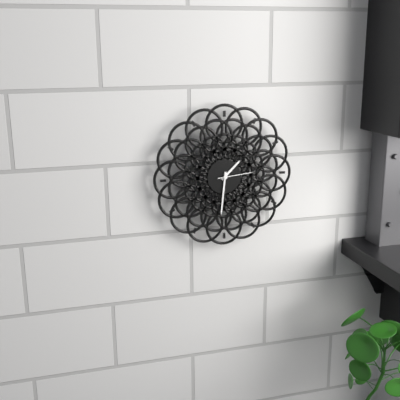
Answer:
{"hour": 1, "minute": 31}
